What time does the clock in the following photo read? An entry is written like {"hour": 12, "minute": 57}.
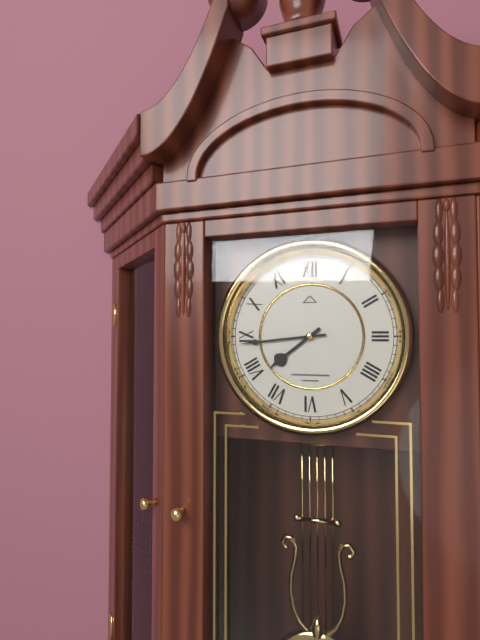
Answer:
{"hour": 7, "minute": 44}
